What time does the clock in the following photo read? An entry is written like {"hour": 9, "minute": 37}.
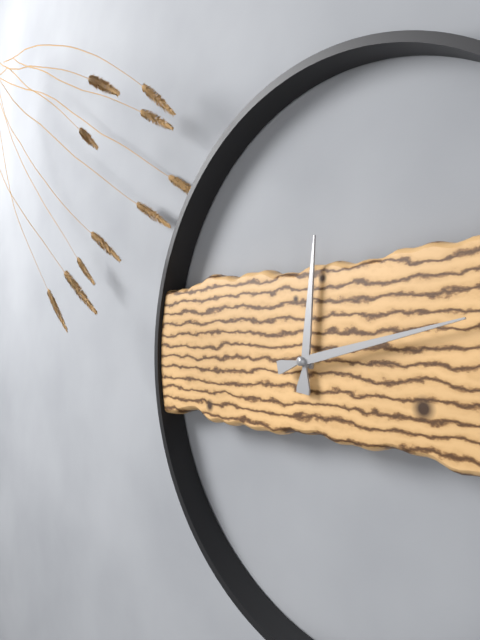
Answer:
{"hour": 12, "minute": 13}
